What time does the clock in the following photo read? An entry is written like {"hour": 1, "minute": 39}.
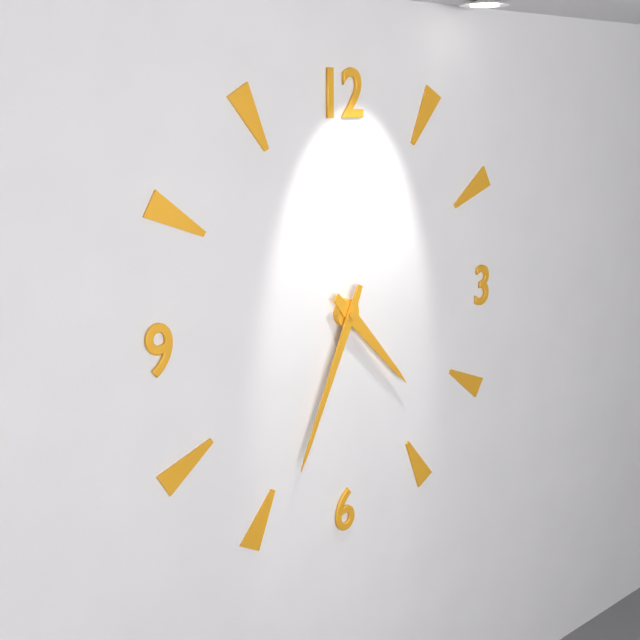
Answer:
{"hour": 4, "minute": 34}
